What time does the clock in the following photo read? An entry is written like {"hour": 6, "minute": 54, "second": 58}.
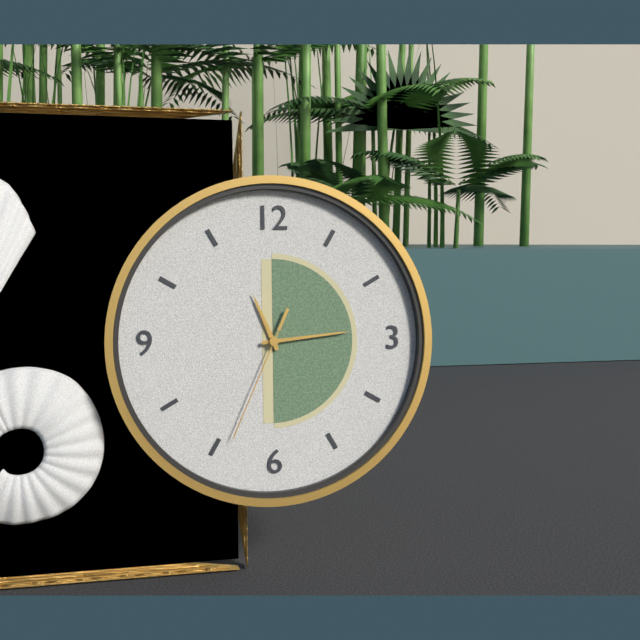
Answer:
{"hour": 11, "minute": 14, "second": 34}
